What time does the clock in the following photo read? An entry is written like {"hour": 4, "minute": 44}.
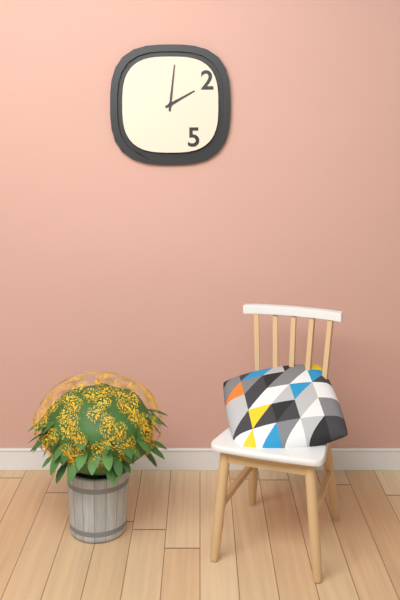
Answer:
{"hour": 2, "minute": 1}
